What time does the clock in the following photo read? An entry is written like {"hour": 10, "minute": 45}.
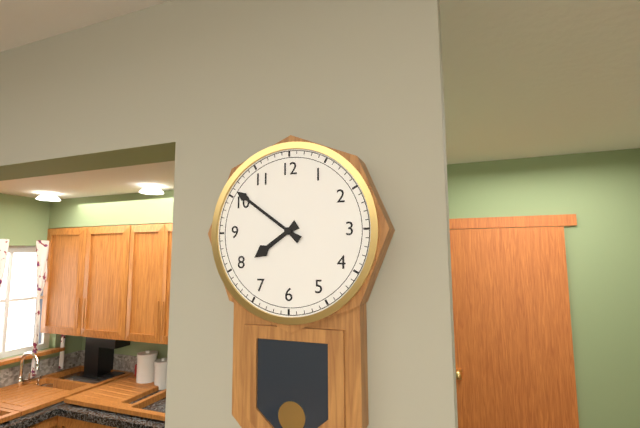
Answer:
{"hour": 7, "minute": 51}
